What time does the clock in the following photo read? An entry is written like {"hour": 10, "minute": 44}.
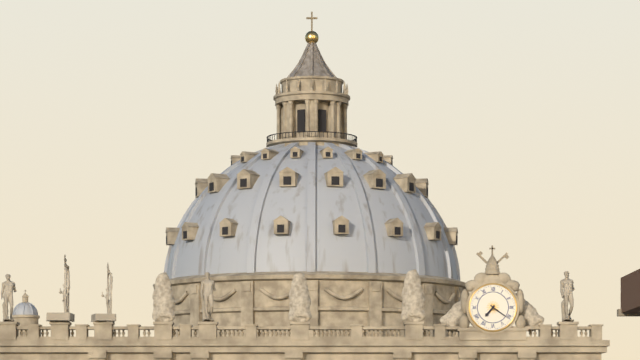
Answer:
{"hour": 7, "minute": 21}
